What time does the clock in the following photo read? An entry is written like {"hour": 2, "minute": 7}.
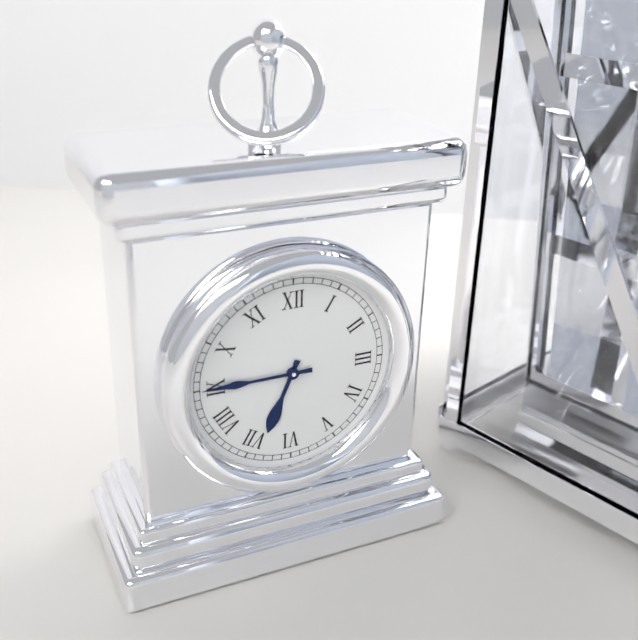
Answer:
{"hour": 6, "minute": 45}
